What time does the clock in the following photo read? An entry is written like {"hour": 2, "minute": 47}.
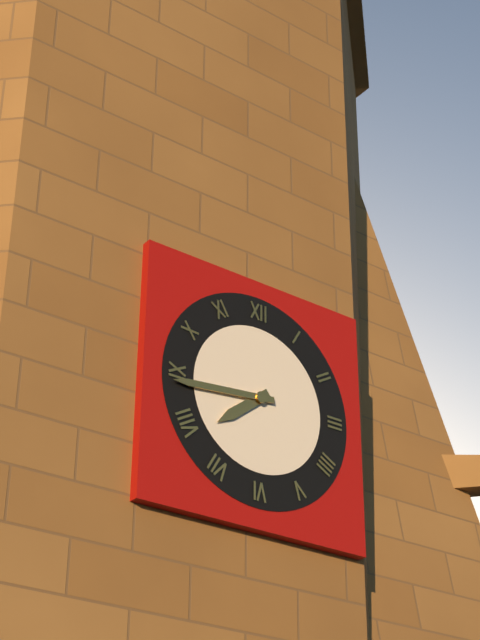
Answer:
{"hour": 7, "minute": 44}
